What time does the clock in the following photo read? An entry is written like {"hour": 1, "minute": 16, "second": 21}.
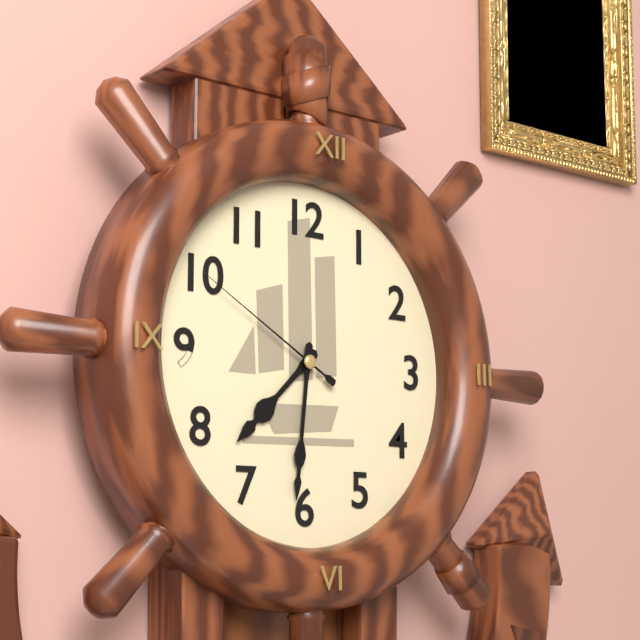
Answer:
{"hour": 7, "minute": 31, "second": 50}
